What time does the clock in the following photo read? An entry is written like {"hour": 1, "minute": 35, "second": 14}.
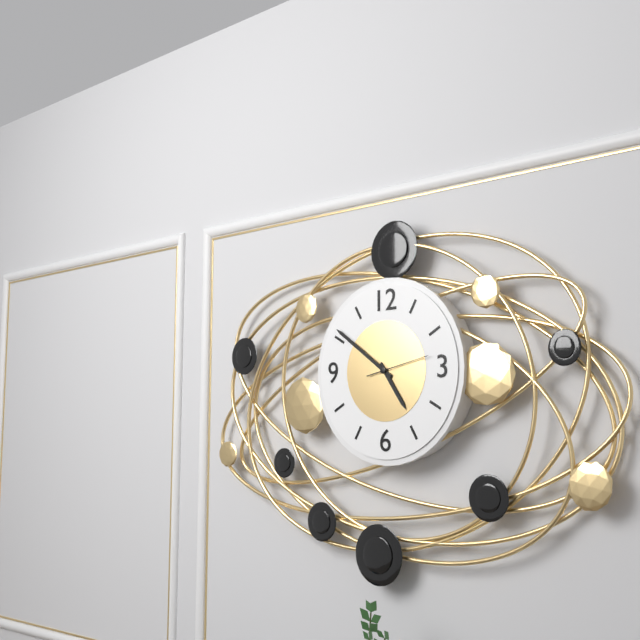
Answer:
{"hour": 4, "minute": 51, "second": 13}
